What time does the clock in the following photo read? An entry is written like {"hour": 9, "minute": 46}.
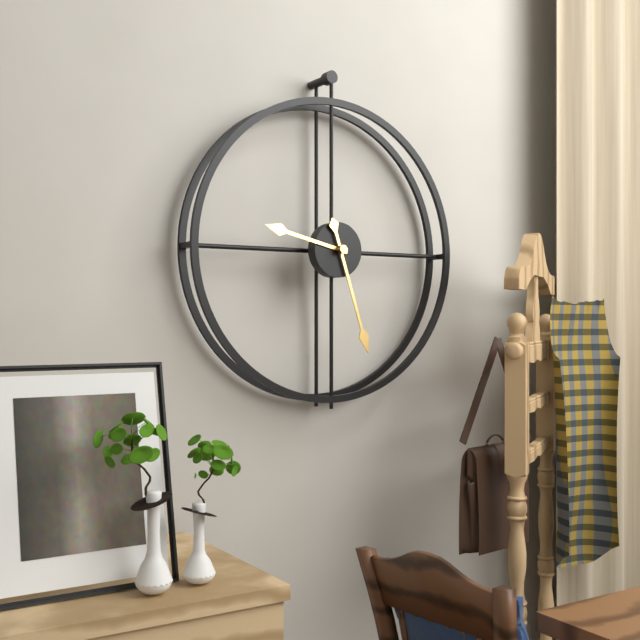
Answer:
{"hour": 9, "minute": 27}
